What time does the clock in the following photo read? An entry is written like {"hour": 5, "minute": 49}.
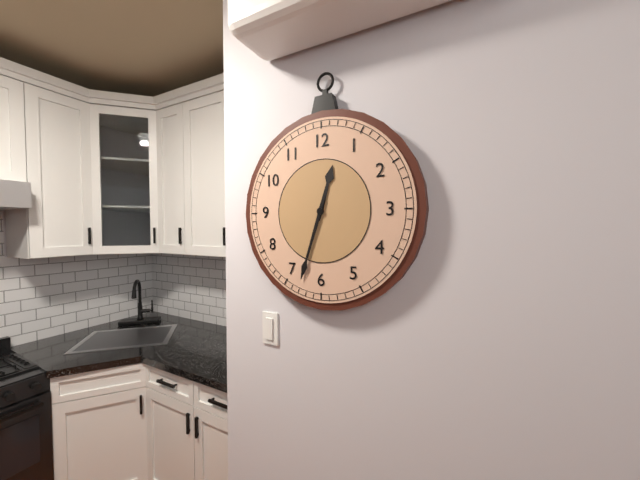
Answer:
{"hour": 12, "minute": 33}
